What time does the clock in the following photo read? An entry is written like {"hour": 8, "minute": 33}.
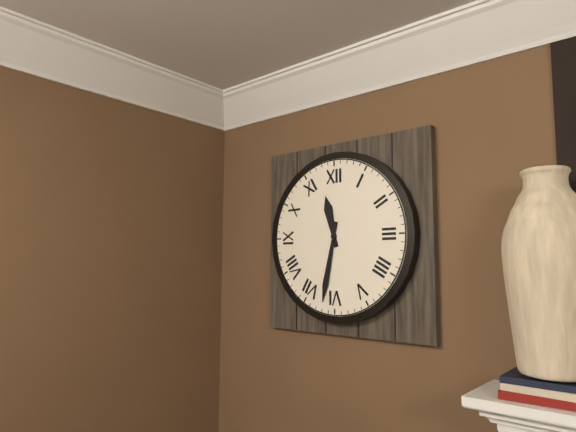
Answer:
{"hour": 11, "minute": 32}
